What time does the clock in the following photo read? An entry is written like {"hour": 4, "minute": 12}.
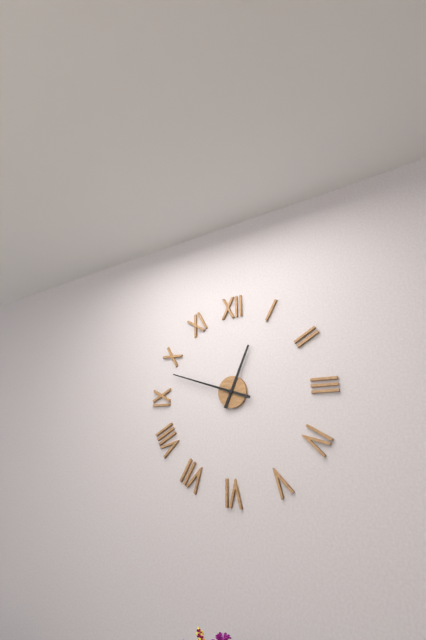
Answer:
{"hour": 12, "minute": 48}
